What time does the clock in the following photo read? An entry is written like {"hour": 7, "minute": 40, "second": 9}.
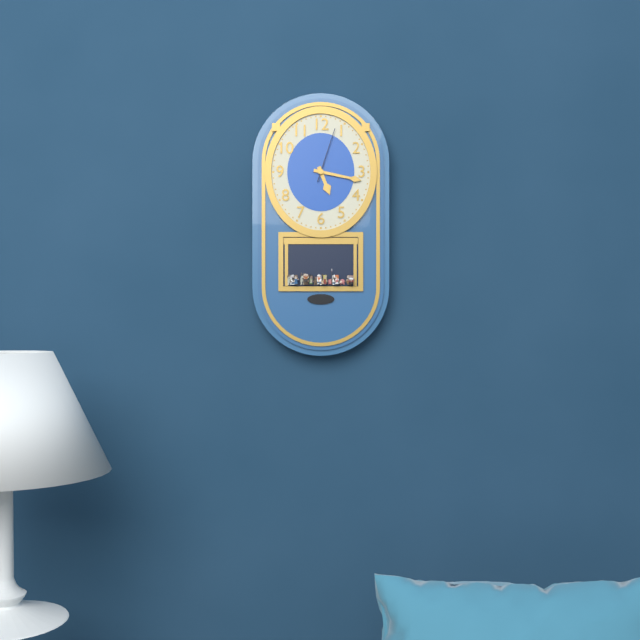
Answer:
{"hour": 5, "minute": 17, "second": 3}
